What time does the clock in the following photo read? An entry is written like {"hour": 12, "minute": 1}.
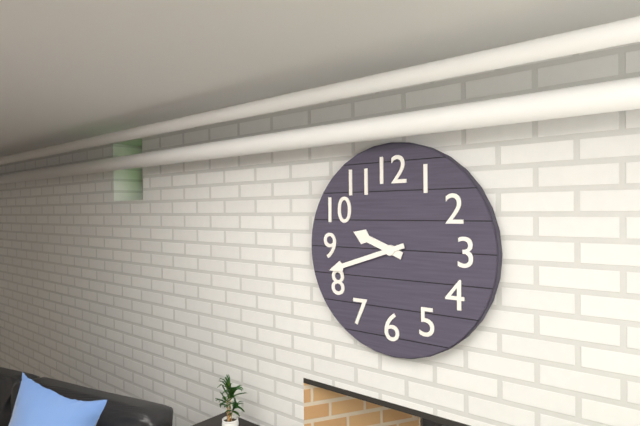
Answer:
{"hour": 9, "minute": 42}
